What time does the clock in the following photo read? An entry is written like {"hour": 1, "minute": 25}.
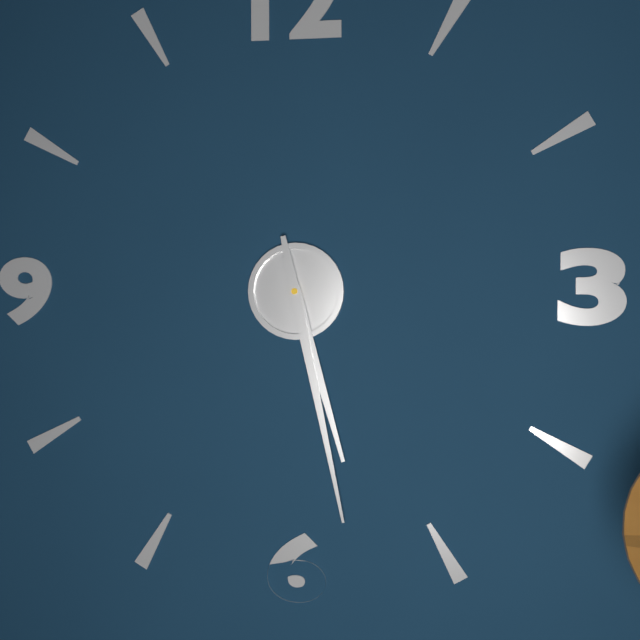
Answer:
{"hour": 5, "minute": 28}
